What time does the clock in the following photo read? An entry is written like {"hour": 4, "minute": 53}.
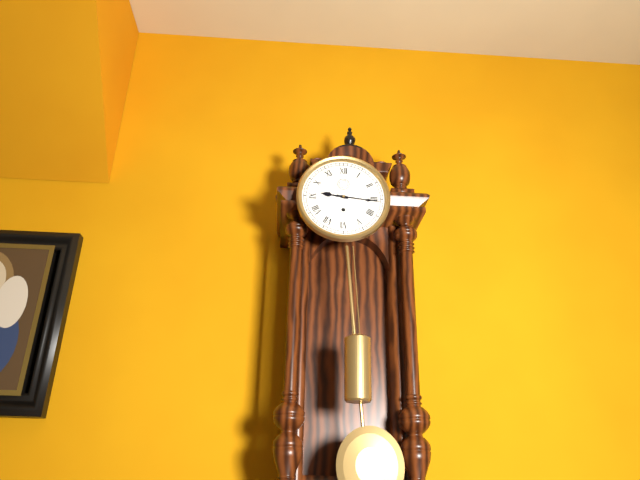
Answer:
{"hour": 9, "minute": 16}
